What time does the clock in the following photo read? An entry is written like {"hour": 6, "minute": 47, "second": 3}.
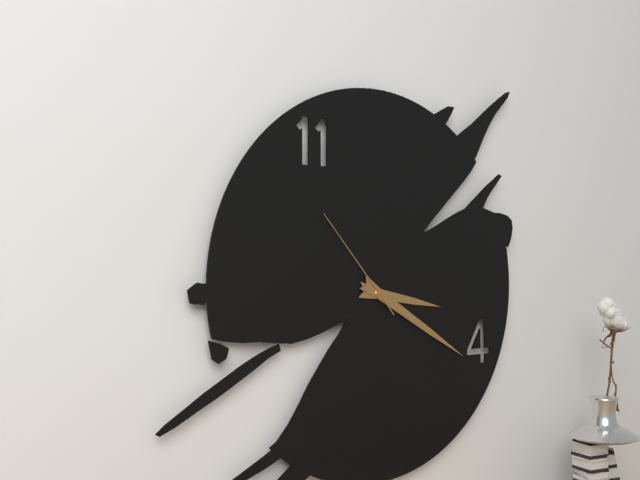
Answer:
{"hour": 3, "minute": 20, "second": 53}
